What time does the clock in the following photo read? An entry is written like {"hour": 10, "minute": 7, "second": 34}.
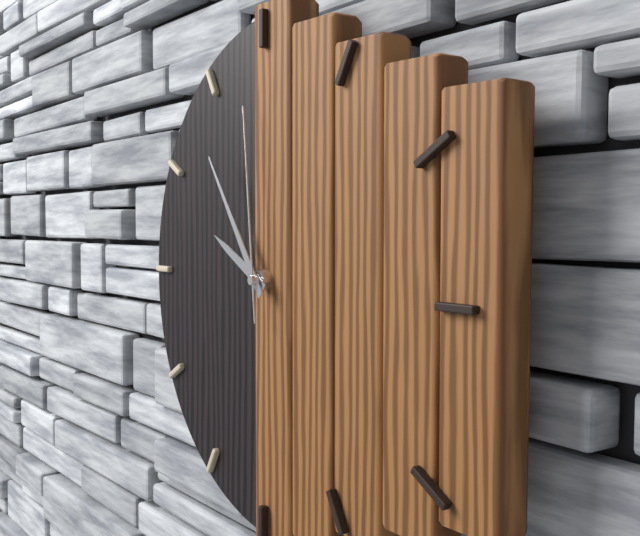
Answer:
{"hour": 9, "minute": 54, "second": 59}
